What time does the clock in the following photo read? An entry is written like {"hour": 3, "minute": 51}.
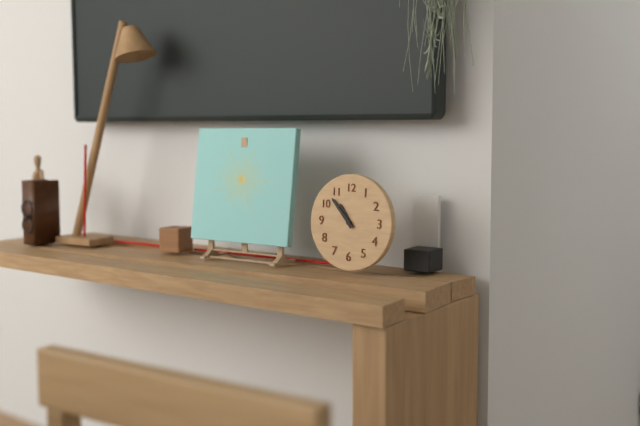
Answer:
{"hour": 10, "minute": 53}
